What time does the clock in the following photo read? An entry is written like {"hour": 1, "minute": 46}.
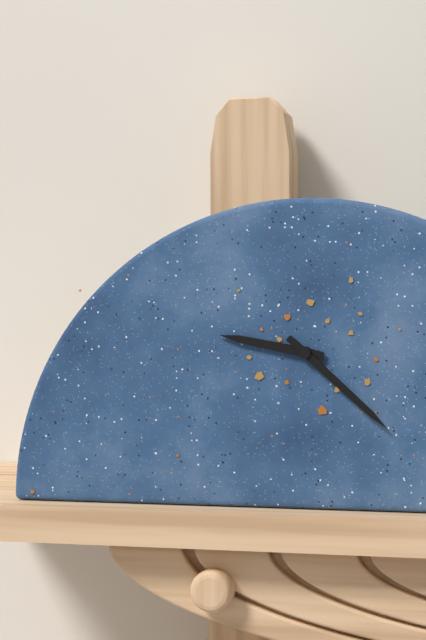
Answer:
{"hour": 9, "minute": 22}
